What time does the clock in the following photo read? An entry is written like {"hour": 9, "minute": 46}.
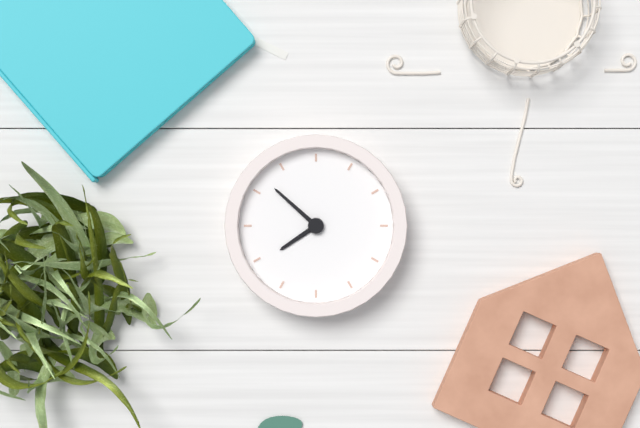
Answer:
{"hour": 7, "minute": 52}
